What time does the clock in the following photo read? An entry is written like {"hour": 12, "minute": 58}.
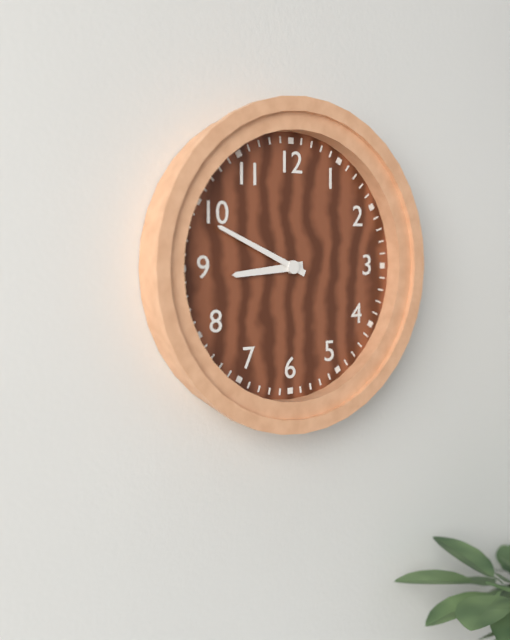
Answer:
{"hour": 8, "minute": 49}
